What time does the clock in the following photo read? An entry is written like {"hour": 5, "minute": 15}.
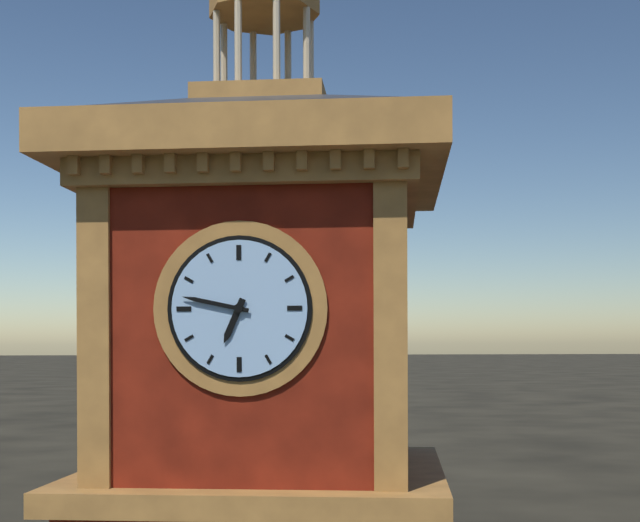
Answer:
{"hour": 6, "minute": 47}
